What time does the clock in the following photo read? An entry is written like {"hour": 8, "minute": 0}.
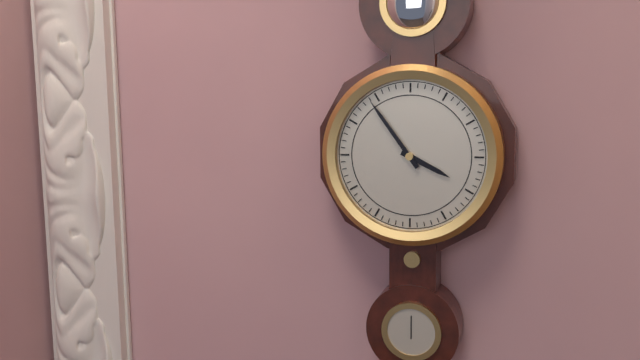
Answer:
{"hour": 3, "minute": 54}
